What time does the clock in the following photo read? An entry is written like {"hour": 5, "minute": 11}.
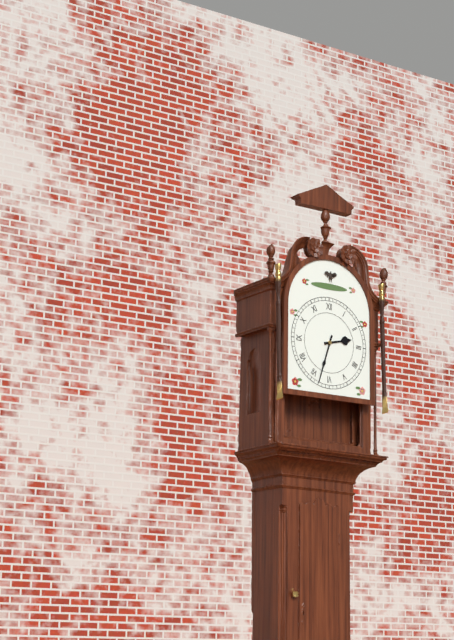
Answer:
{"hour": 2, "minute": 33}
